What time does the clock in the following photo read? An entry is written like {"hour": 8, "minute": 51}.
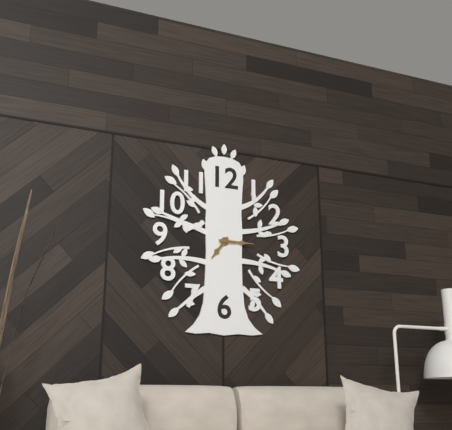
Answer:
{"hour": 7, "minute": 15}
